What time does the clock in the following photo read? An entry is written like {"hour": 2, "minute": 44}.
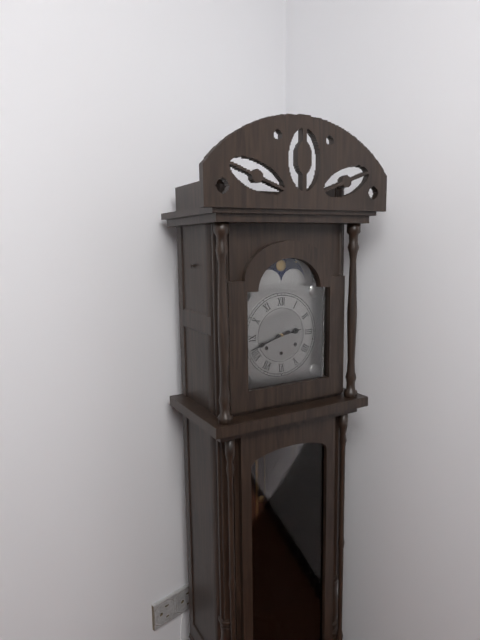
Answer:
{"hour": 2, "minute": 42}
